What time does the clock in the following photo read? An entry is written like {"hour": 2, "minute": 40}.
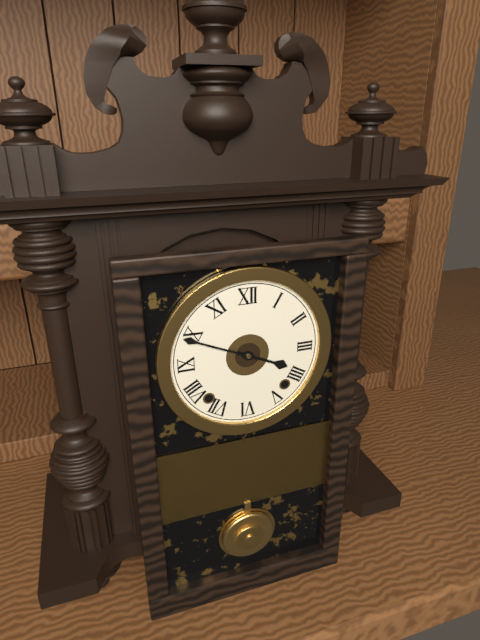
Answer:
{"hour": 3, "minute": 49}
